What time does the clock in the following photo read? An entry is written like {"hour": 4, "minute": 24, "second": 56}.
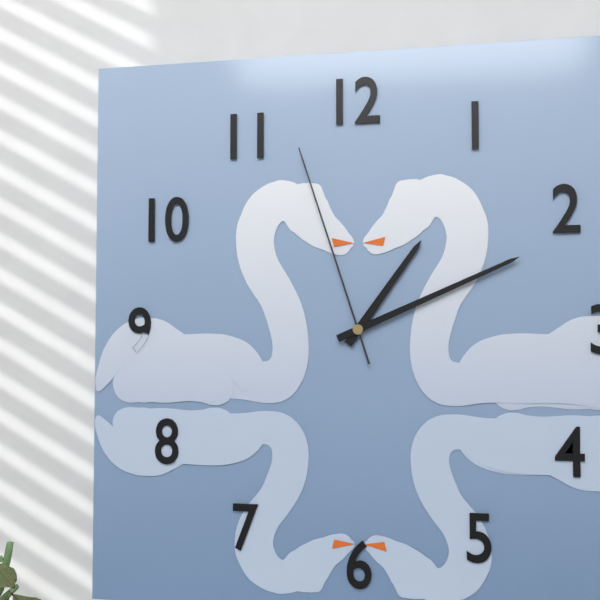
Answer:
{"hour": 1, "minute": 11, "second": 57}
